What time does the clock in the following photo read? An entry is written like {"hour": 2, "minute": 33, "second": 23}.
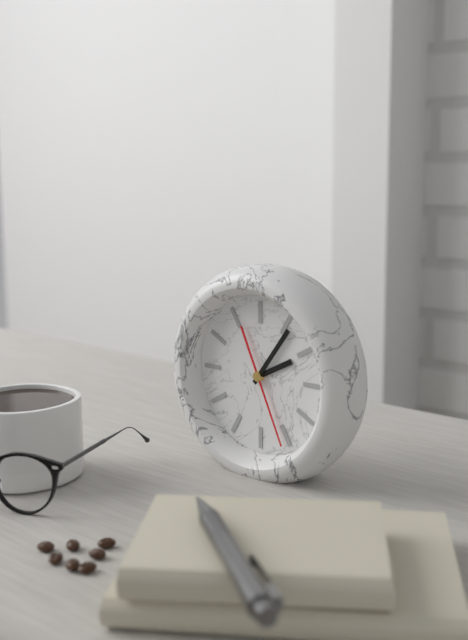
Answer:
{"hour": 2, "minute": 6, "second": 26}
